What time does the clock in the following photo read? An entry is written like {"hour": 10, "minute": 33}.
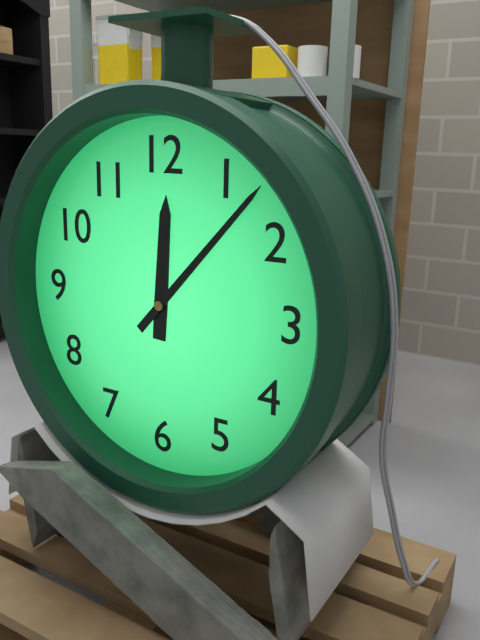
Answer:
{"hour": 12, "minute": 7}
